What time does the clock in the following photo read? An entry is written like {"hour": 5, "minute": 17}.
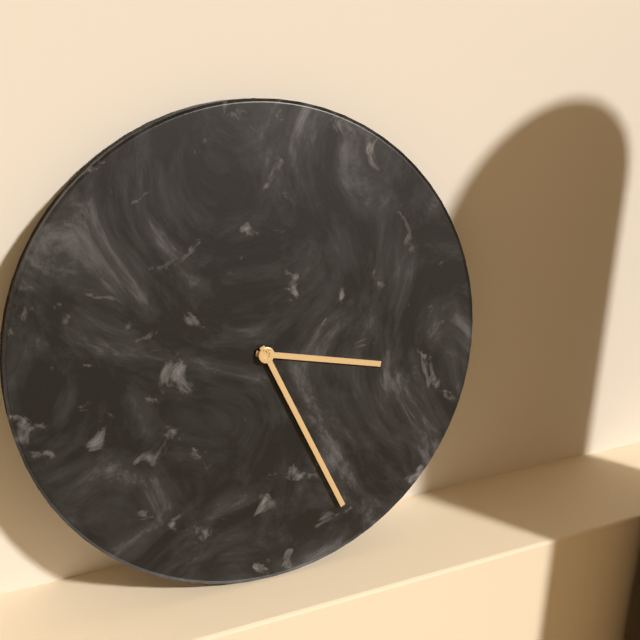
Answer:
{"hour": 3, "minute": 26}
